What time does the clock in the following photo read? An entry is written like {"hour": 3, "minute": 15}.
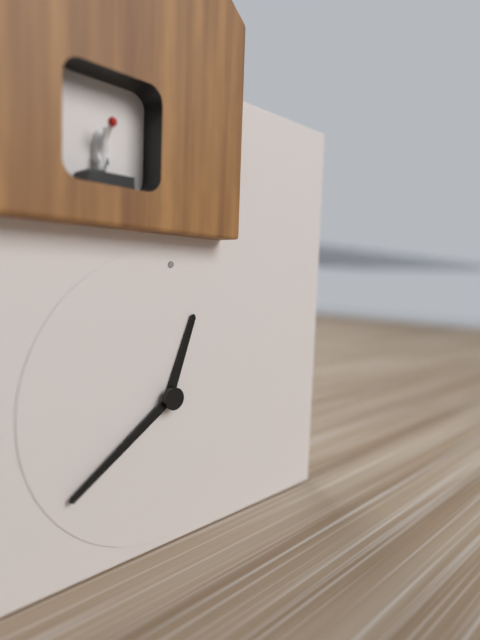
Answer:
{"hour": 12, "minute": 39}
